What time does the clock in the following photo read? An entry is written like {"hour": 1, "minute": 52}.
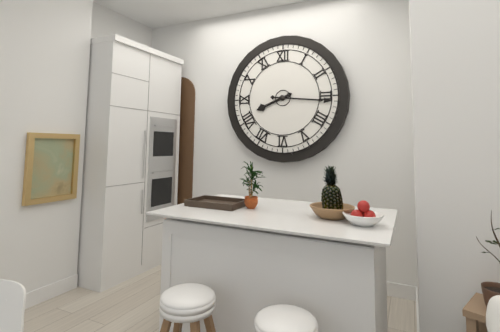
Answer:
{"hour": 8, "minute": 16}
